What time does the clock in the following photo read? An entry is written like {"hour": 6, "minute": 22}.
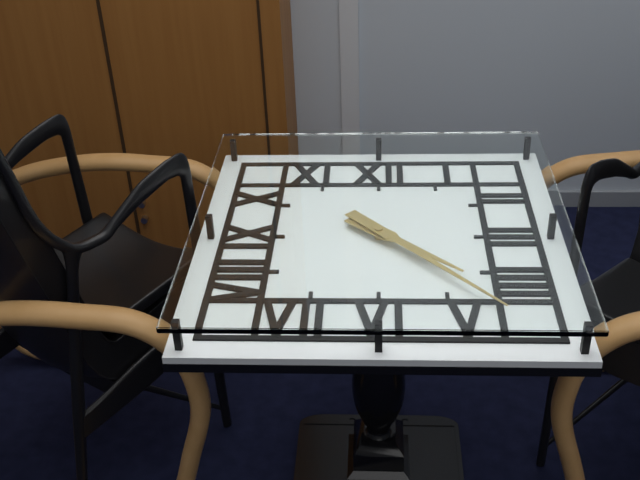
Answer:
{"hour": 4, "minute": 23}
